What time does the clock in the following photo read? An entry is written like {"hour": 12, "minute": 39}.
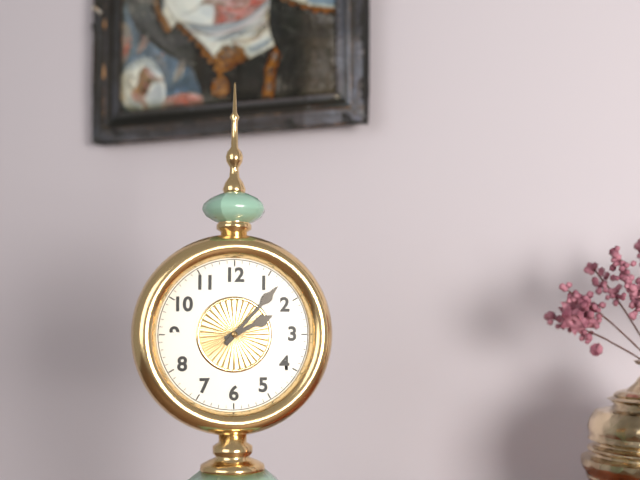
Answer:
{"hour": 2, "minute": 7}
